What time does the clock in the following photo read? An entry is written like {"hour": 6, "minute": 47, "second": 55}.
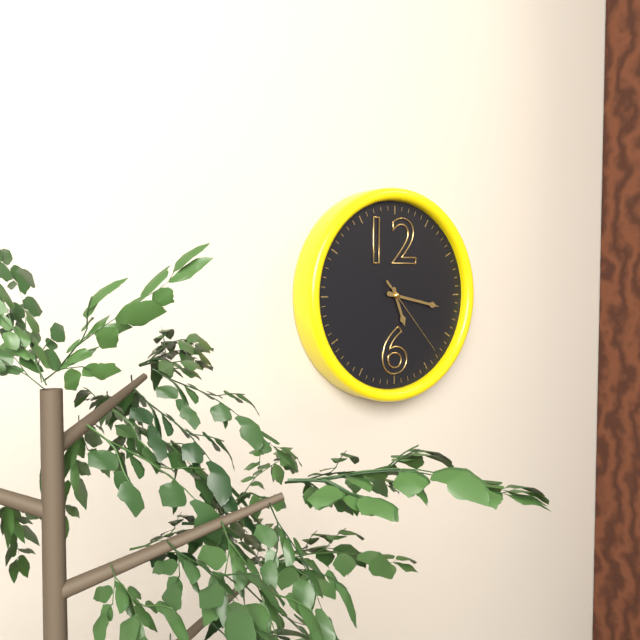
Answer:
{"hour": 5, "minute": 17, "second": 23}
